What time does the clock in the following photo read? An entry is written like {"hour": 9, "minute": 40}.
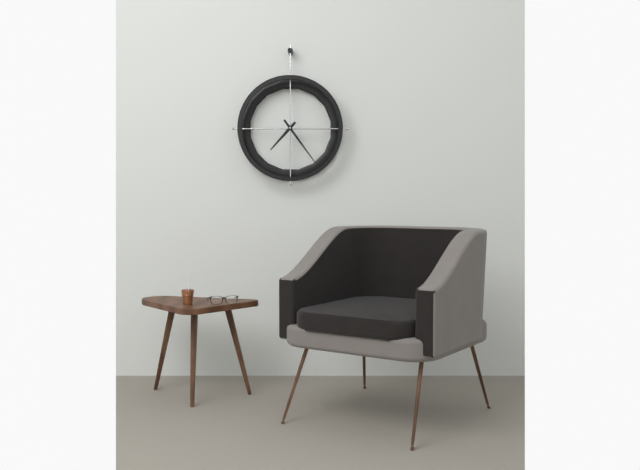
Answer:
{"hour": 7, "minute": 24}
